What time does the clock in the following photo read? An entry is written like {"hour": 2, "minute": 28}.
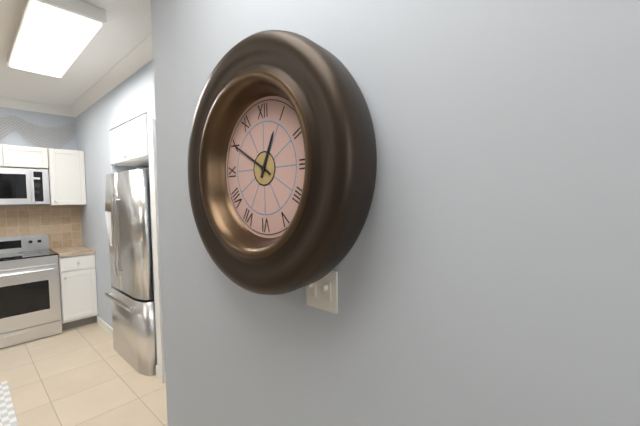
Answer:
{"hour": 12, "minute": 50}
